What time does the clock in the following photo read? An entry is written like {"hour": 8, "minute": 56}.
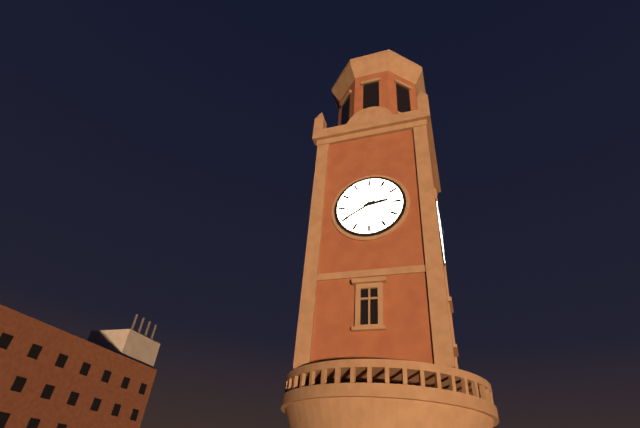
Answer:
{"hour": 2, "minute": 40}
